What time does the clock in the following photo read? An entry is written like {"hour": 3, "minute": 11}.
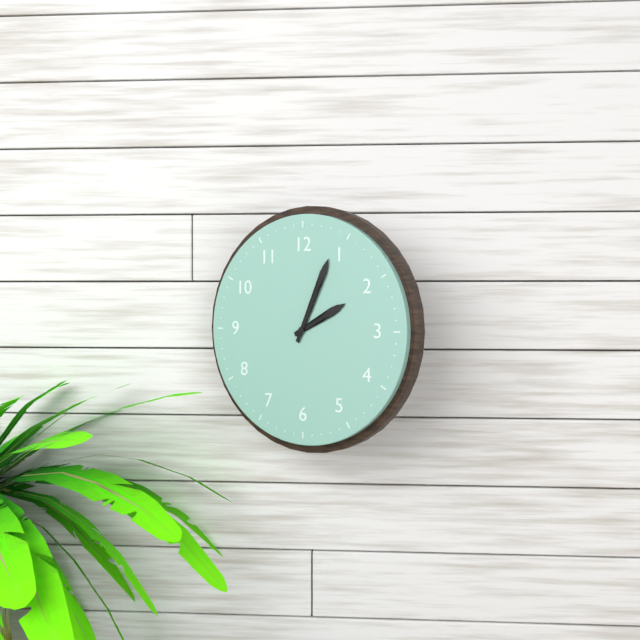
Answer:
{"hour": 2, "minute": 4}
